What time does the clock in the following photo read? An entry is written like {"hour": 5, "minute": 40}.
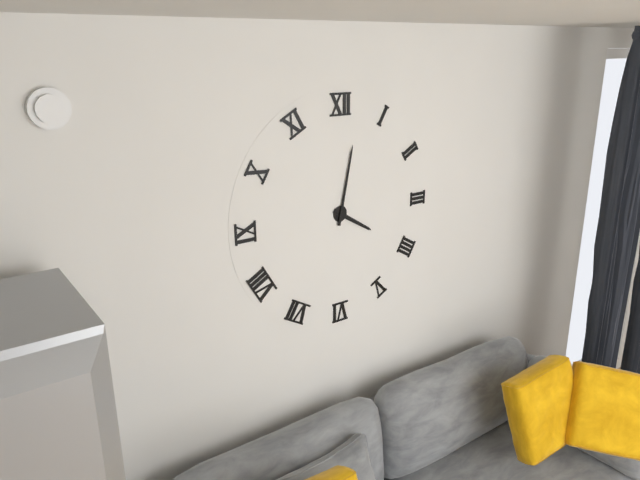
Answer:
{"hour": 4, "minute": 2}
